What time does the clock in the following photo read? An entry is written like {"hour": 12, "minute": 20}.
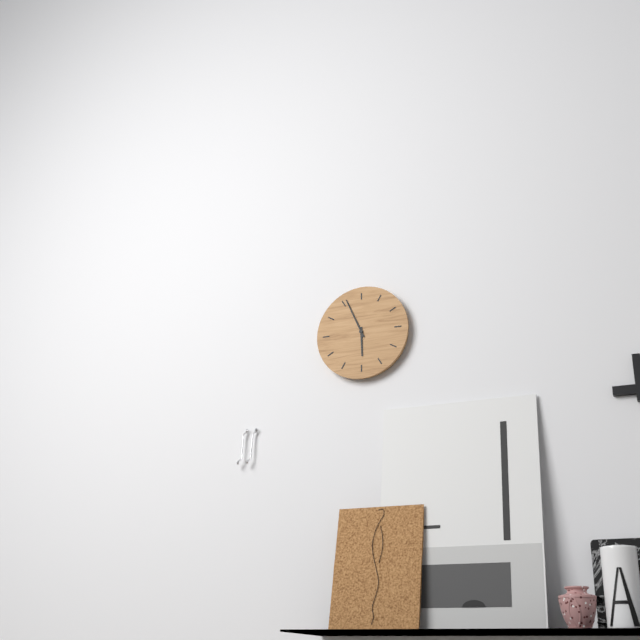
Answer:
{"hour": 5, "minute": 56}
